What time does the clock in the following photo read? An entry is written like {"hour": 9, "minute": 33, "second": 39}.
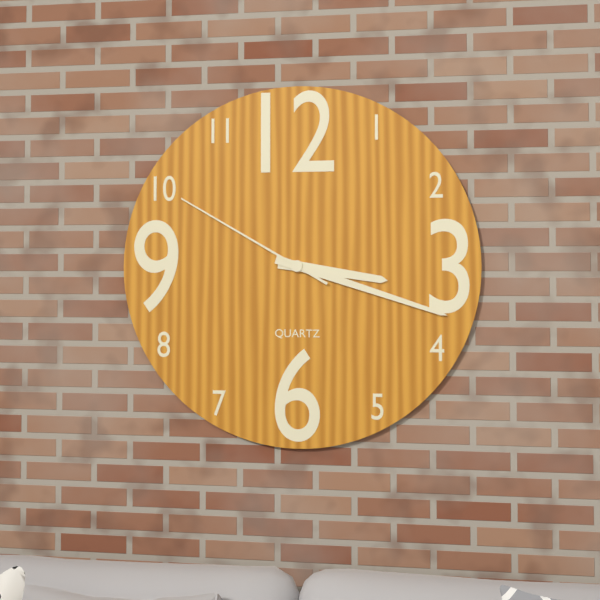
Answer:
{"hour": 3, "minute": 18, "second": 50}
